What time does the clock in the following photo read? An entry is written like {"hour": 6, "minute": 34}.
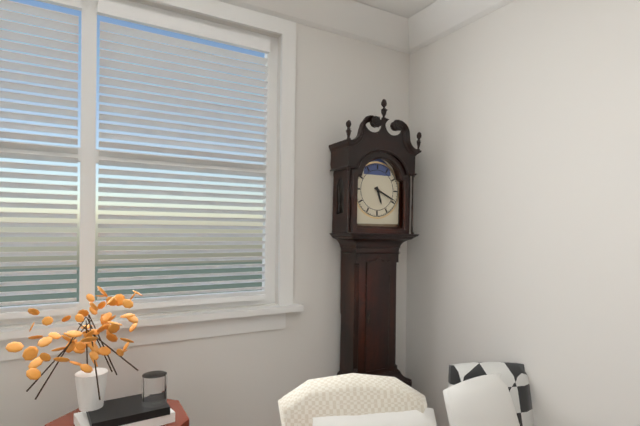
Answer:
{"hour": 5, "minute": 19}
